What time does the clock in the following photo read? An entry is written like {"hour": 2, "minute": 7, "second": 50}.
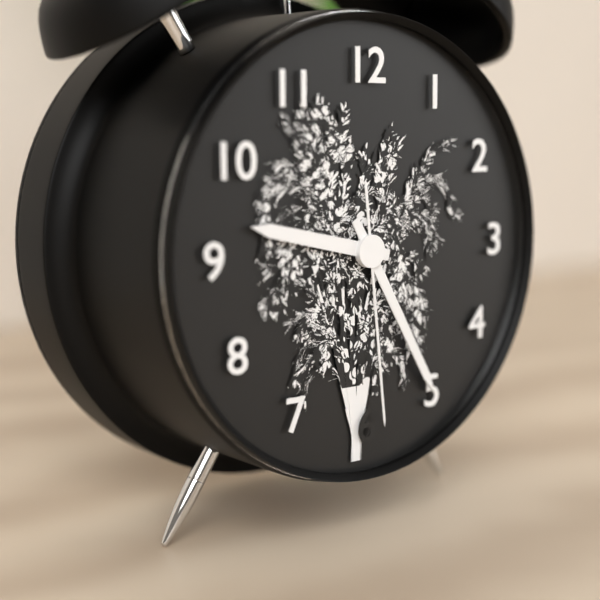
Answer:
{"hour": 9, "minute": 25, "second": 29}
